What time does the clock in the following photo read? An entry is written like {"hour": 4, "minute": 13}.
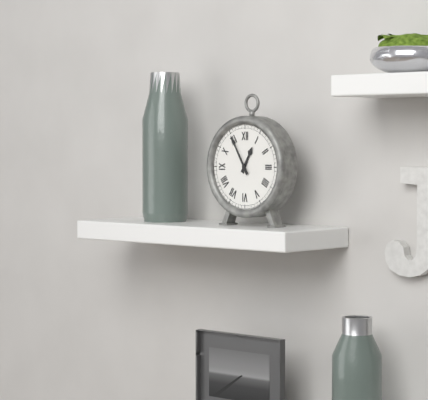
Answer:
{"hour": 12, "minute": 55}
